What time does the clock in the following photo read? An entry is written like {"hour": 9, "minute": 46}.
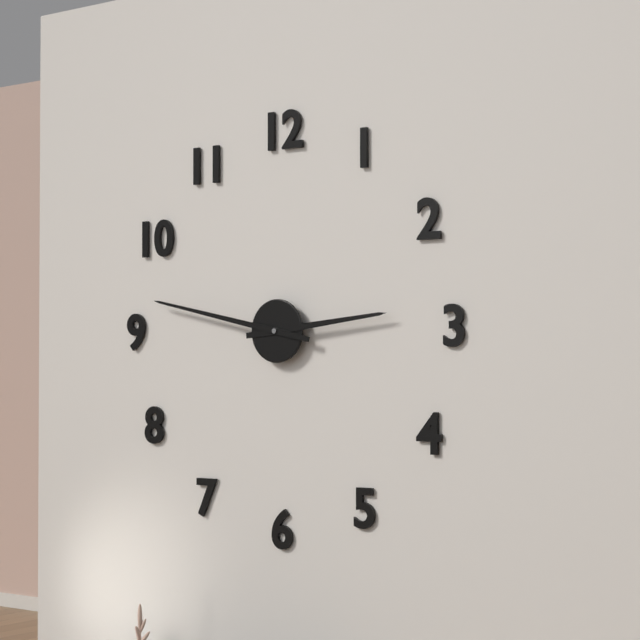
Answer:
{"hour": 2, "minute": 47}
